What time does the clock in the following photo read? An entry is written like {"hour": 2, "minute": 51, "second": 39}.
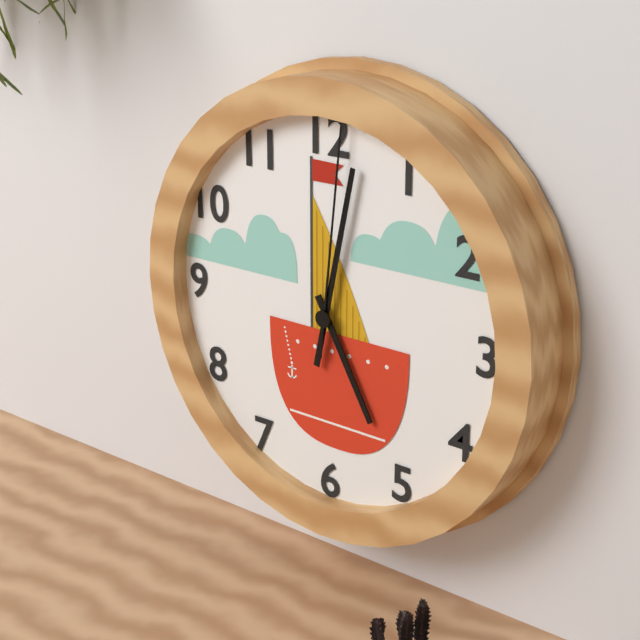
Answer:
{"hour": 5, "minute": 2, "second": 1}
